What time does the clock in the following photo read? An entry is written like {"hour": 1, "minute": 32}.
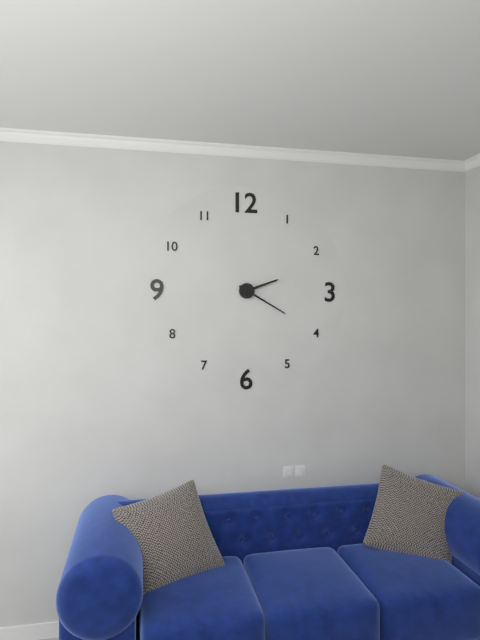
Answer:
{"hour": 2, "minute": 20}
